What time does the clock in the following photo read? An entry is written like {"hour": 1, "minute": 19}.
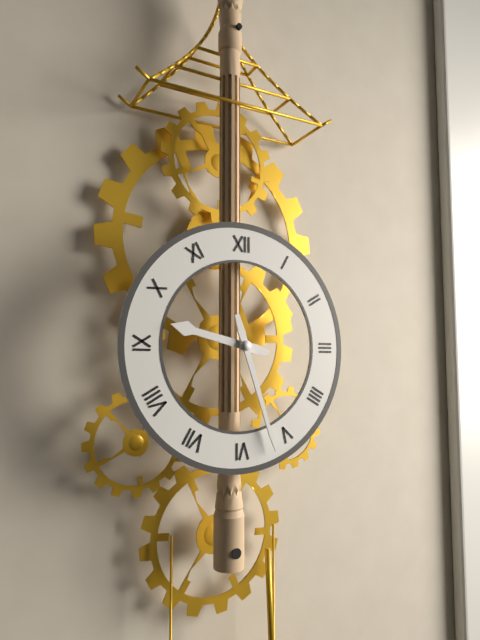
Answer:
{"hour": 9, "minute": 27}
